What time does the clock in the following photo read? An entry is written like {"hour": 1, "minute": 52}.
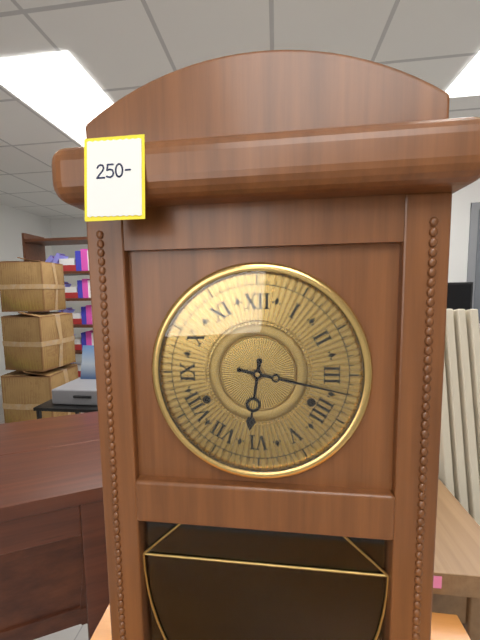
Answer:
{"hour": 6, "minute": 17}
